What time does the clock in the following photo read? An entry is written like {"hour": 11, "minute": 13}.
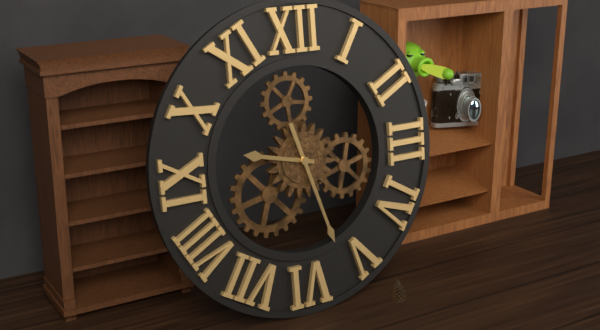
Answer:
{"hour": 9, "minute": 27}
